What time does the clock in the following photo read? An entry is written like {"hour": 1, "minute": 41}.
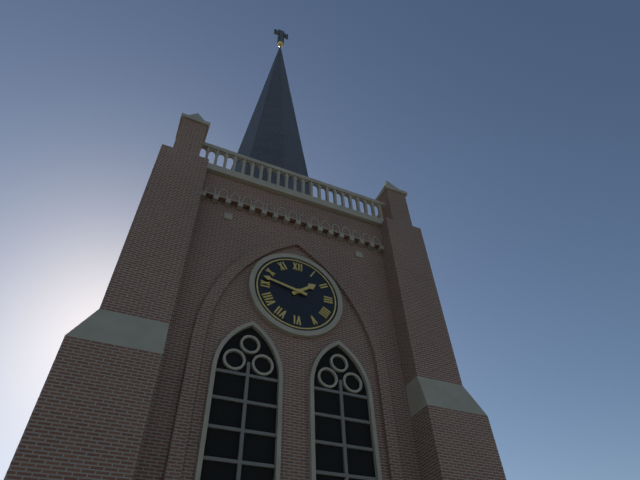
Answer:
{"hour": 1, "minute": 47}
